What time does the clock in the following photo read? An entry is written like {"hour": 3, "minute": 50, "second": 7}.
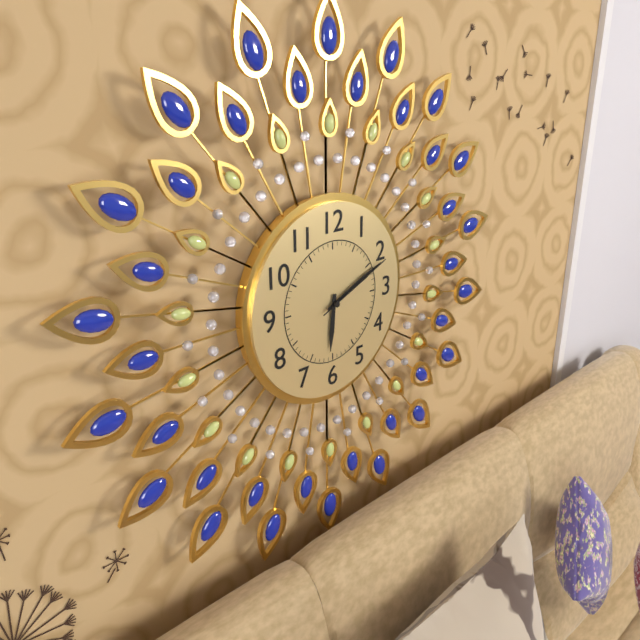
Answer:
{"hour": 6, "minute": 11, "second": 11}
